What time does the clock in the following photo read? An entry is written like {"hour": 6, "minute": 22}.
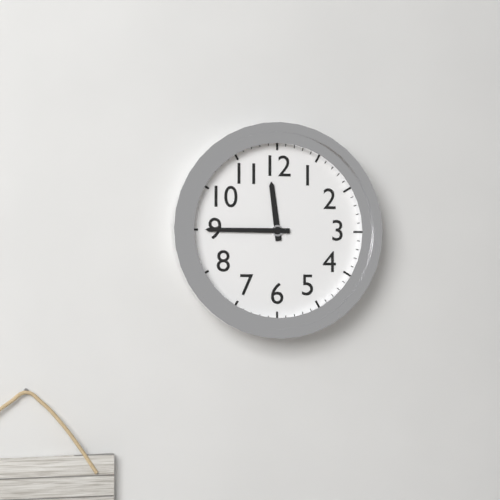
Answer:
{"hour": 11, "minute": 45}
